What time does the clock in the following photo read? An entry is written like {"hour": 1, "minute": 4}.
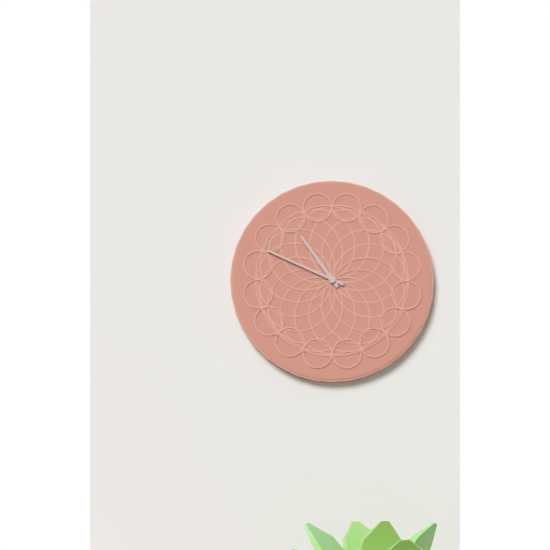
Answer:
{"hour": 10, "minute": 49}
